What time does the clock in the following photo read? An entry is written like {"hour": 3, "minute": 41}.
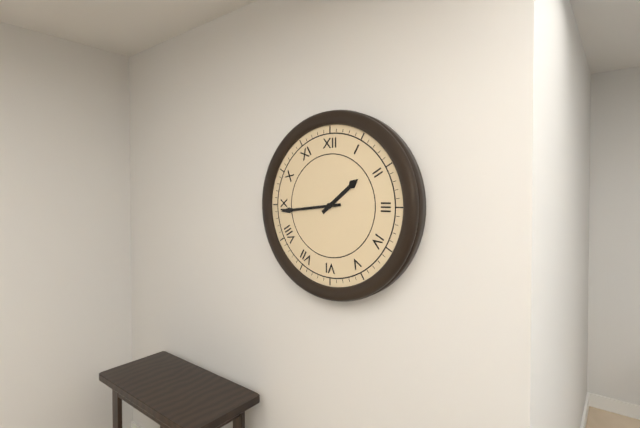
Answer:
{"hour": 1, "minute": 44}
